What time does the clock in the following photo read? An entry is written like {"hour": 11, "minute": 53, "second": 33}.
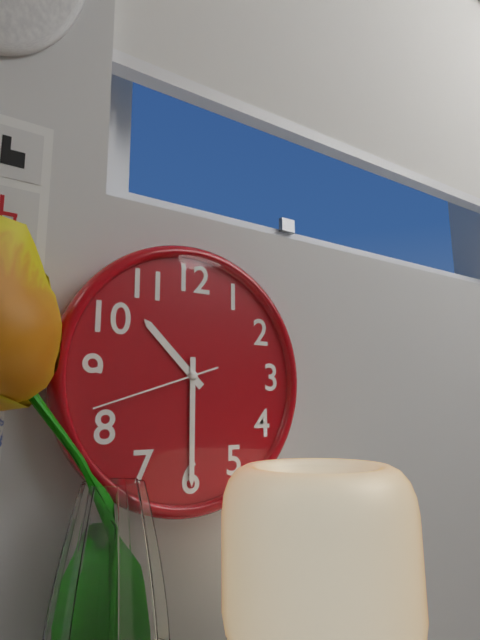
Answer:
{"hour": 10, "minute": 30, "second": 42}
